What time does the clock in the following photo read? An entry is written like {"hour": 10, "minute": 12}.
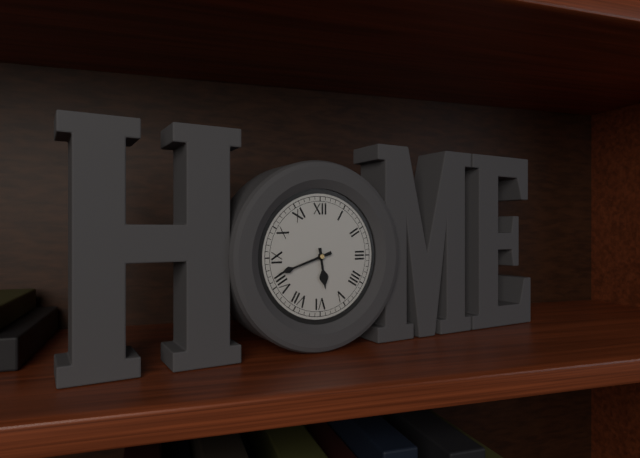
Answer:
{"hour": 5, "minute": 42}
